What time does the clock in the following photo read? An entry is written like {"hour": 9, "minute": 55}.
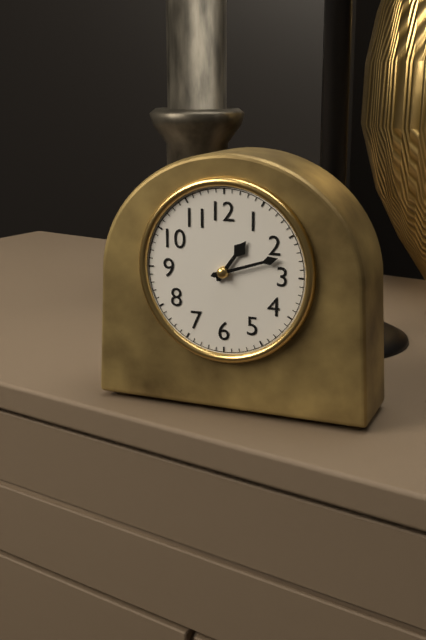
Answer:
{"hour": 1, "minute": 12}
